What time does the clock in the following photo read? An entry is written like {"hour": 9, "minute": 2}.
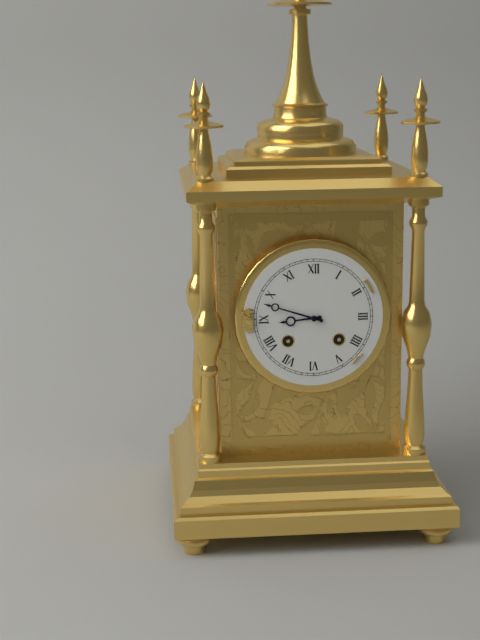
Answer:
{"hour": 8, "minute": 48}
